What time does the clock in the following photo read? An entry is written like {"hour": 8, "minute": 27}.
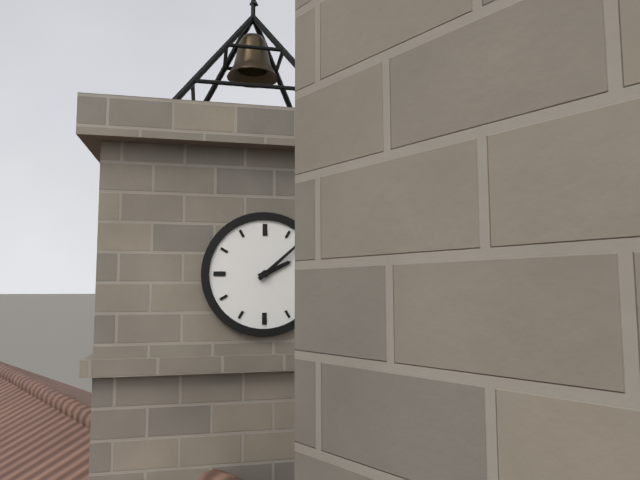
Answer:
{"hour": 2, "minute": 8}
